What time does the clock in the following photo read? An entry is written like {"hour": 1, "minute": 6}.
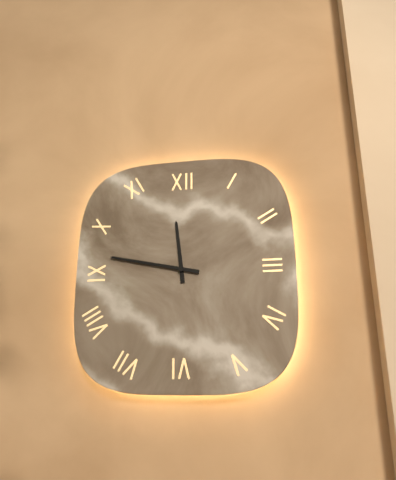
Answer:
{"hour": 11, "minute": 47}
